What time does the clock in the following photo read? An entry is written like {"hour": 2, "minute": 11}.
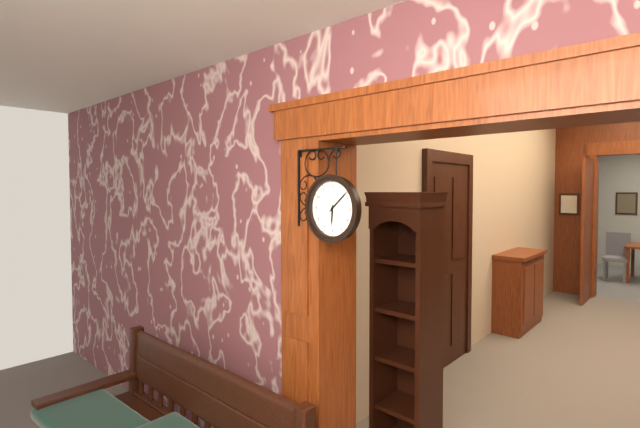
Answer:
{"hour": 6, "minute": 8}
